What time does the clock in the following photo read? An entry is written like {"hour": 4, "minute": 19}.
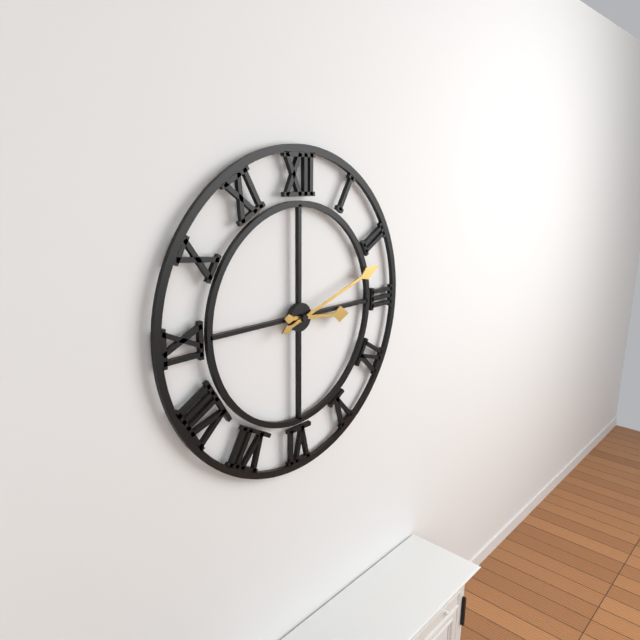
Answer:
{"hour": 3, "minute": 12}
